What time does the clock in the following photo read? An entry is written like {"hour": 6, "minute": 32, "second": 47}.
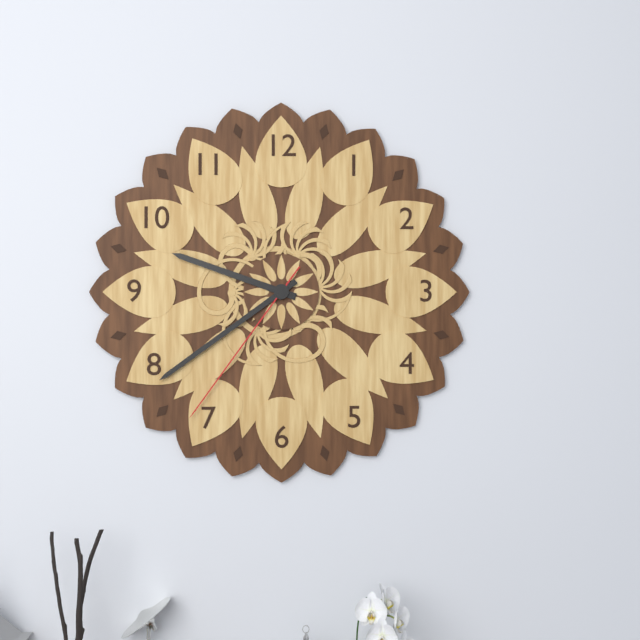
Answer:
{"hour": 9, "minute": 39, "second": 36}
